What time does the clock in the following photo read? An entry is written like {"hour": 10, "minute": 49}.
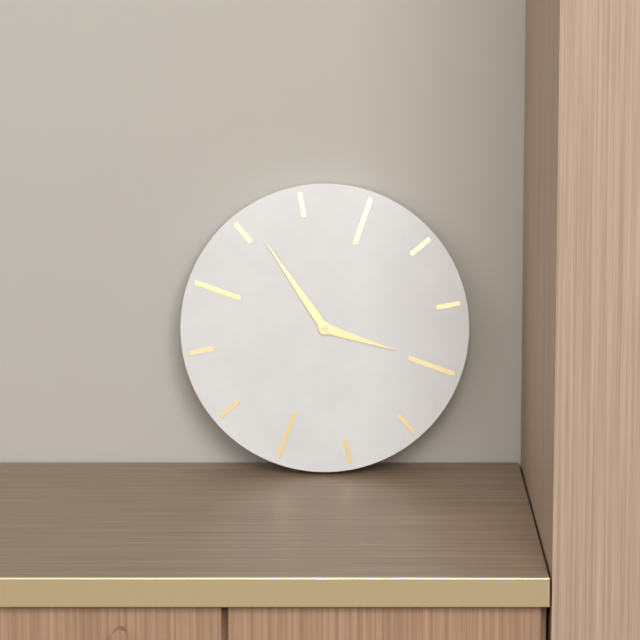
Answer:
{"hour": 3, "minute": 56}
